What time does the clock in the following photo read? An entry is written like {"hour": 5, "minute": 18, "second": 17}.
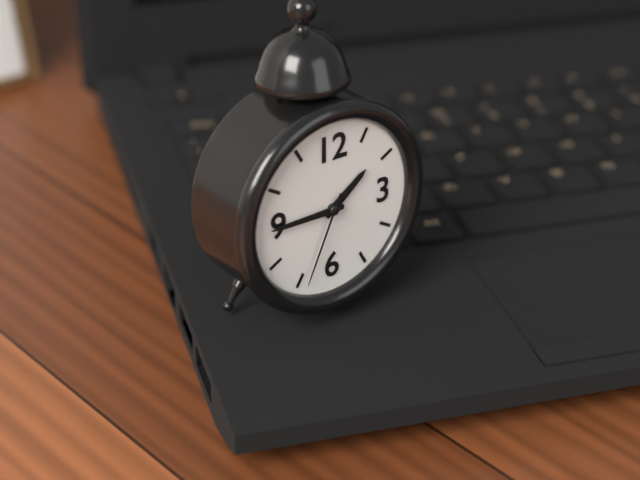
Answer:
{"hour": 1, "minute": 45, "second": 34}
